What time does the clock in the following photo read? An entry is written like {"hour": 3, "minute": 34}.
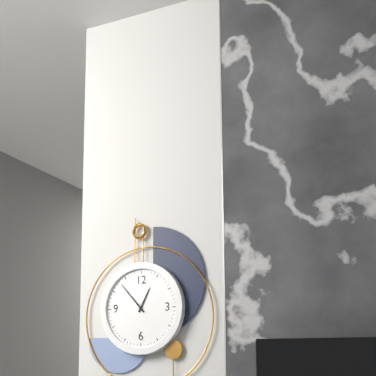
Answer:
{"hour": 12, "minute": 53}
